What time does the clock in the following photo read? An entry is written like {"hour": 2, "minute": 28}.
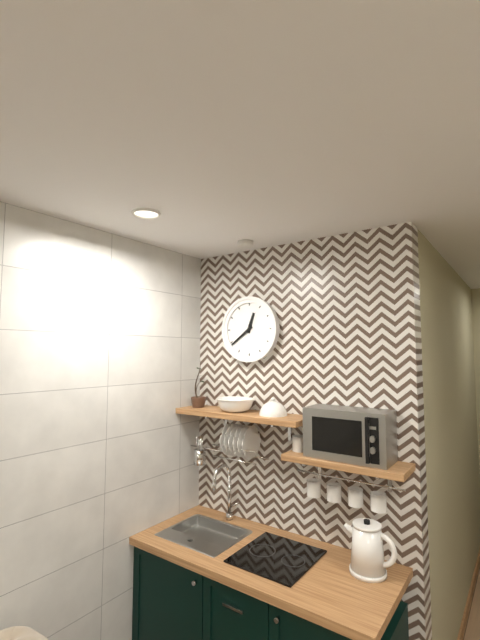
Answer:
{"hour": 12, "minute": 39}
